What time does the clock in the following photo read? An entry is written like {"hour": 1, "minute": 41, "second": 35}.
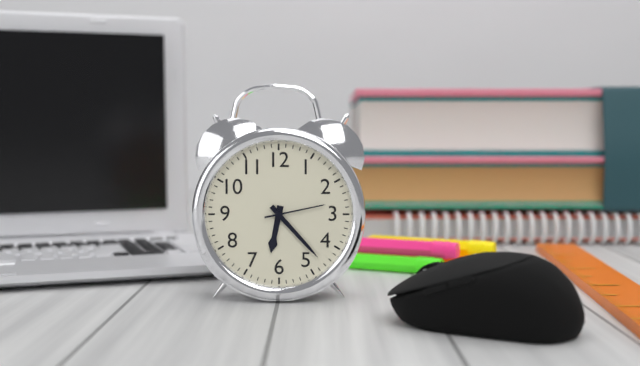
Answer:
{"hour": 6, "minute": 23, "second": 13}
